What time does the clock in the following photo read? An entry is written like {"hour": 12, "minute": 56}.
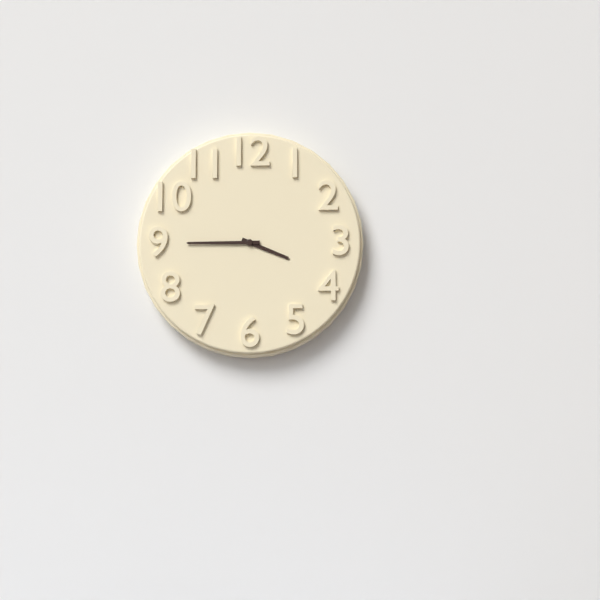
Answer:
{"hour": 3, "minute": 45}
